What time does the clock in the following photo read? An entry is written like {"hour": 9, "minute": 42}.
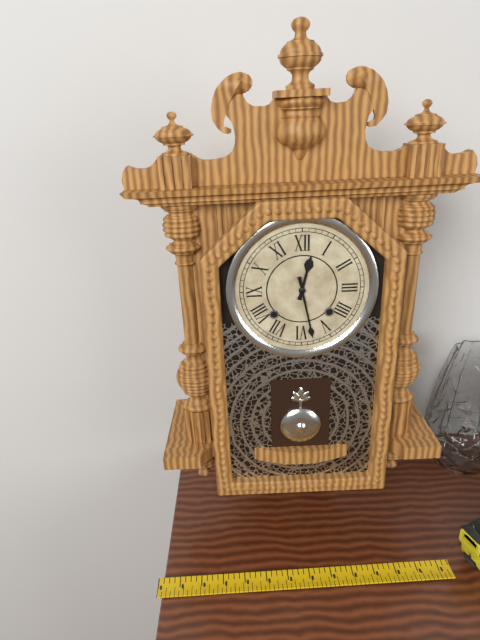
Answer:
{"hour": 12, "minute": 28}
